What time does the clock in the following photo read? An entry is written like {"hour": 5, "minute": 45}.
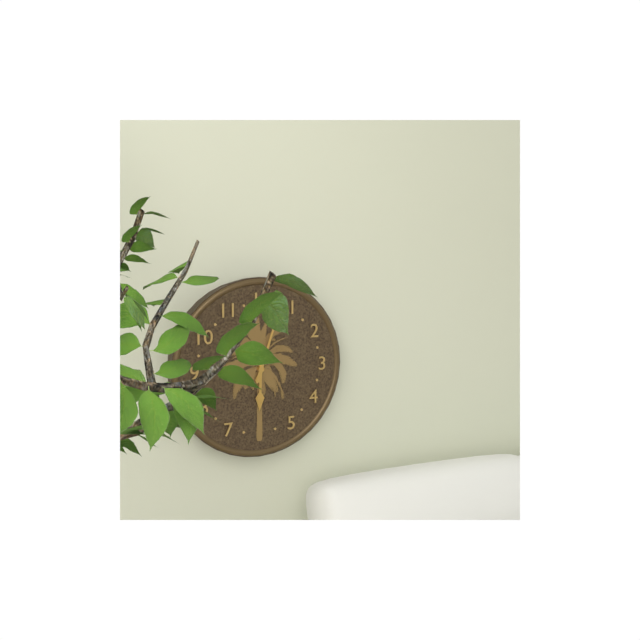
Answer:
{"hour": 6, "minute": 3}
